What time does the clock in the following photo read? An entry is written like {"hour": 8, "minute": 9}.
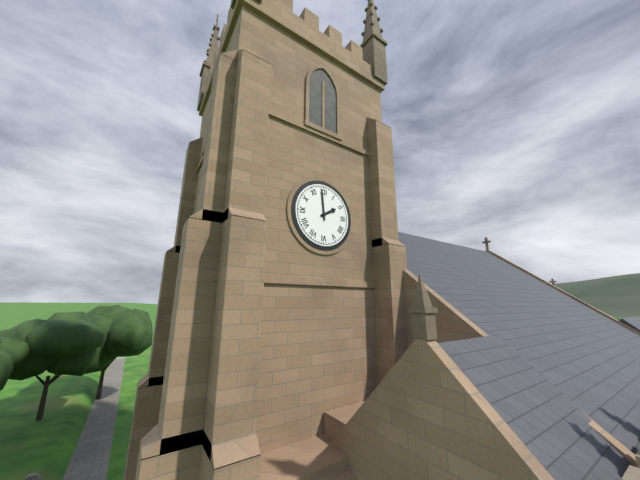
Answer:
{"hour": 1, "minute": 59}
